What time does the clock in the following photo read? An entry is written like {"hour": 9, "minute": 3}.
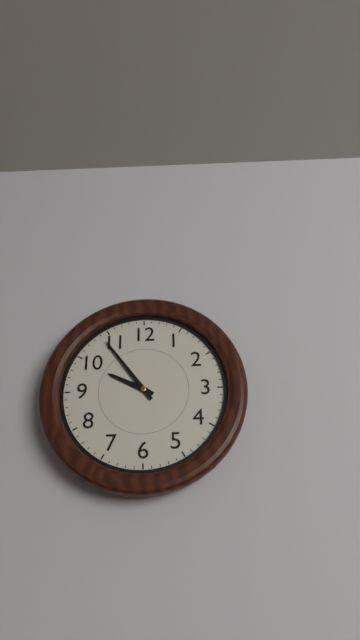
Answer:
{"hour": 9, "minute": 54}
